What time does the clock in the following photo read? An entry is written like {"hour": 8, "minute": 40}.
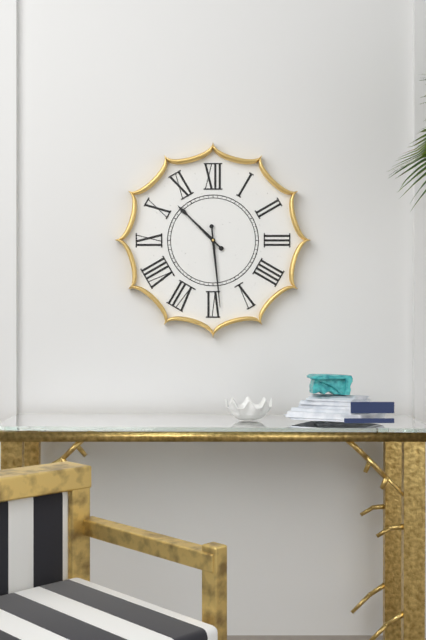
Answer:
{"hour": 10, "minute": 29}
